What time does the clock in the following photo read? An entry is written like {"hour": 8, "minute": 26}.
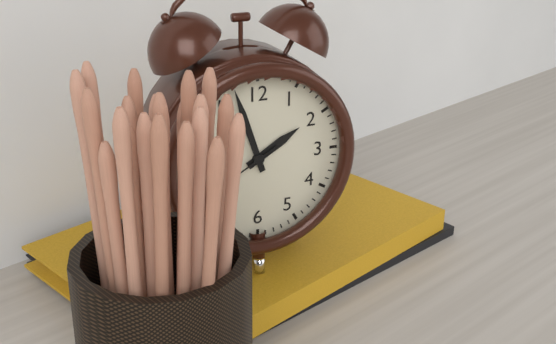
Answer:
{"hour": 1, "minute": 57}
